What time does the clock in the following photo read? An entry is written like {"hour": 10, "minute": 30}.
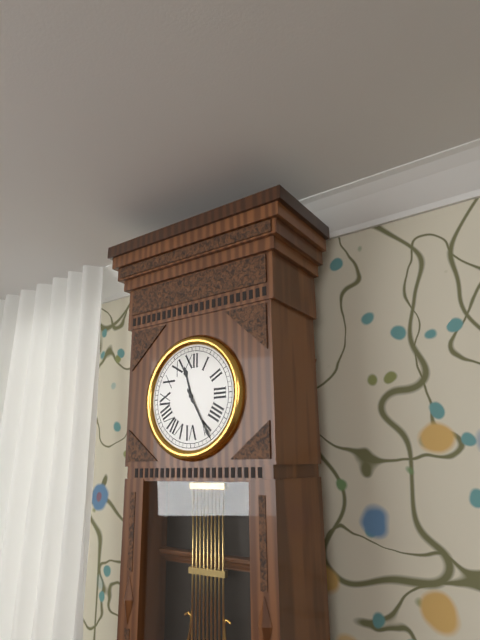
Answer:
{"hour": 11, "minute": 25}
